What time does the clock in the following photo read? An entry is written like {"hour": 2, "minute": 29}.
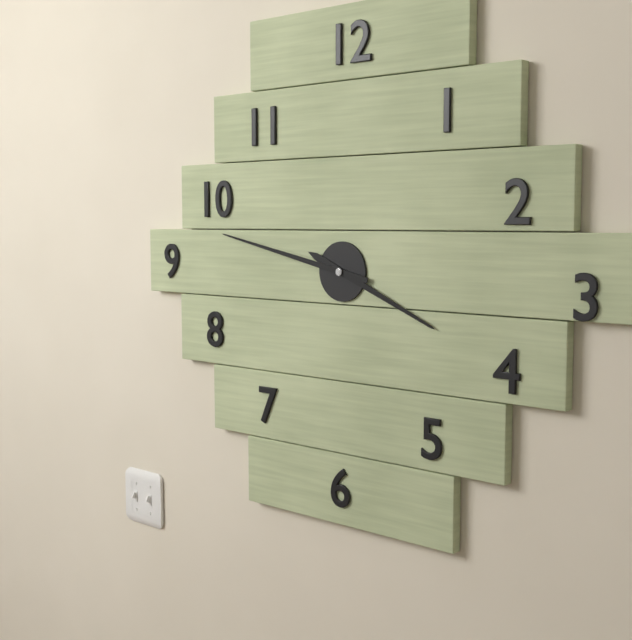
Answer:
{"hour": 3, "minute": 47}
